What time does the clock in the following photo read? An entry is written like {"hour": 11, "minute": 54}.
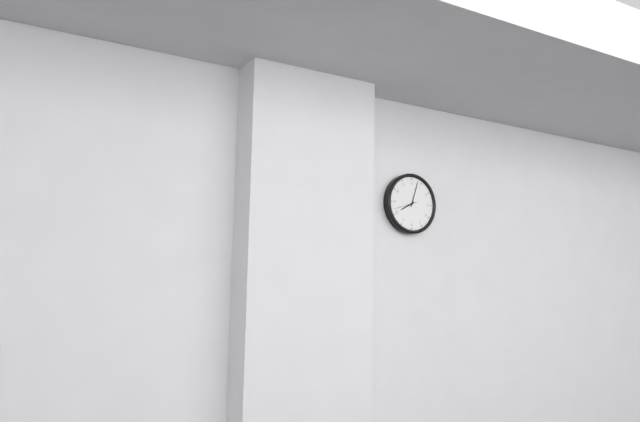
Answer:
{"hour": 8, "minute": 3}
